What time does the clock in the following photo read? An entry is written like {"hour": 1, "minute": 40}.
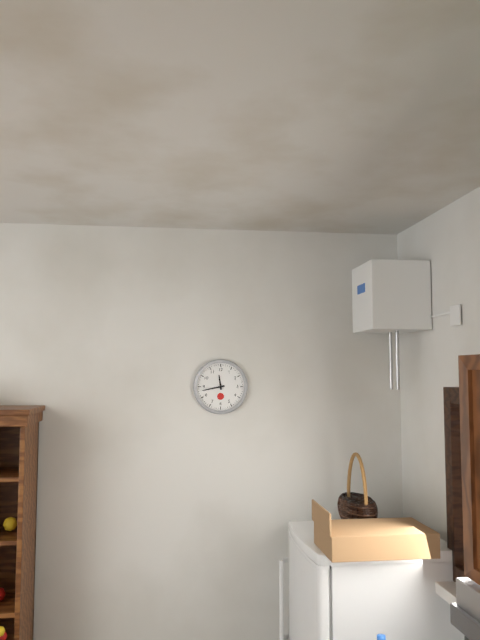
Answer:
{"hour": 11, "minute": 43}
